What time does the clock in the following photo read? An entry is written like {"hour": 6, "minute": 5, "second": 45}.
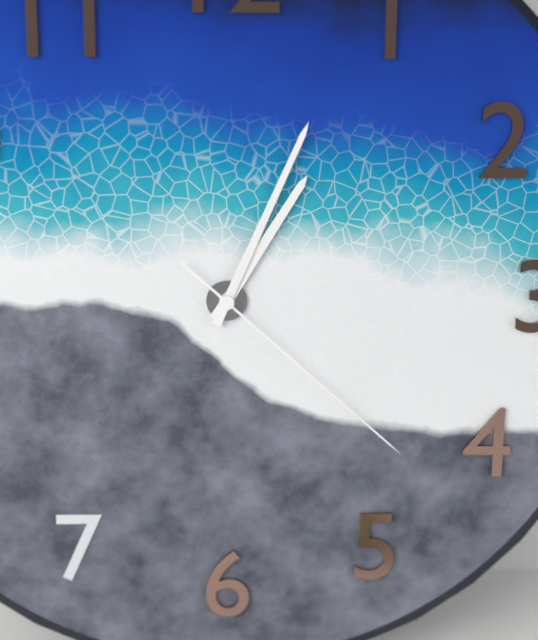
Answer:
{"hour": 1, "minute": 4, "second": 22}
